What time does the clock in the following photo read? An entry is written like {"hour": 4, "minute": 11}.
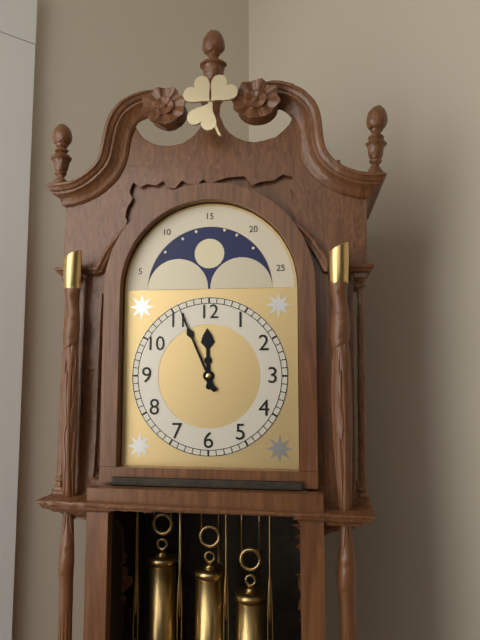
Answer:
{"hour": 11, "minute": 56}
